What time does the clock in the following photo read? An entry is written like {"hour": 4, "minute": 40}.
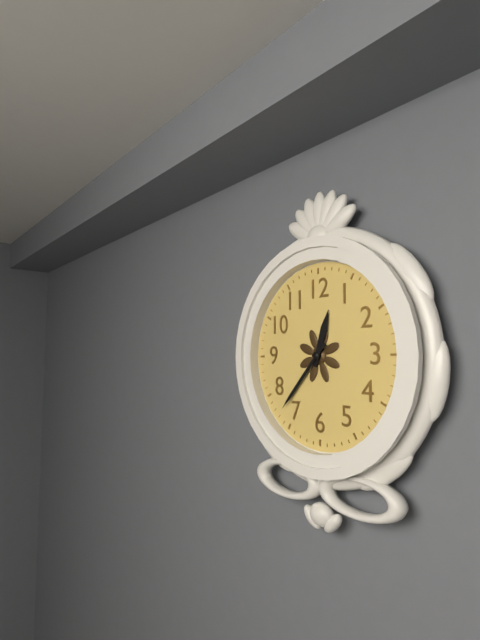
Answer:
{"hour": 12, "minute": 37}
